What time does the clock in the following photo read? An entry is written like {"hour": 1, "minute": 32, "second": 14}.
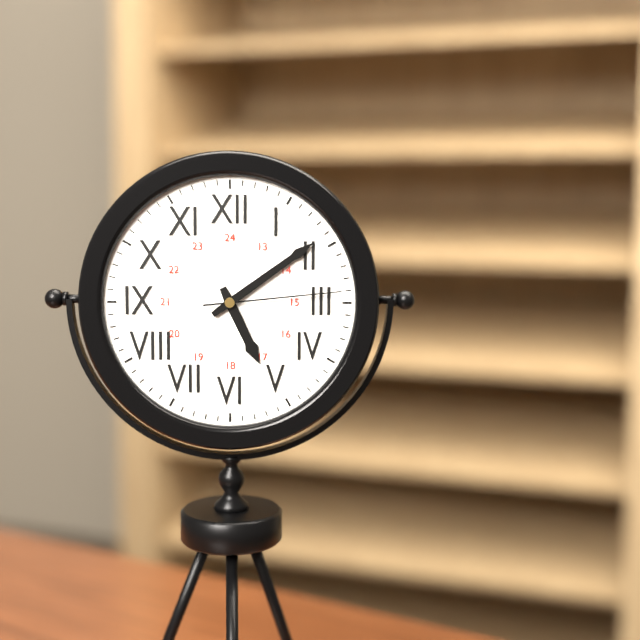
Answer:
{"hour": 5, "minute": 9, "second": 14}
